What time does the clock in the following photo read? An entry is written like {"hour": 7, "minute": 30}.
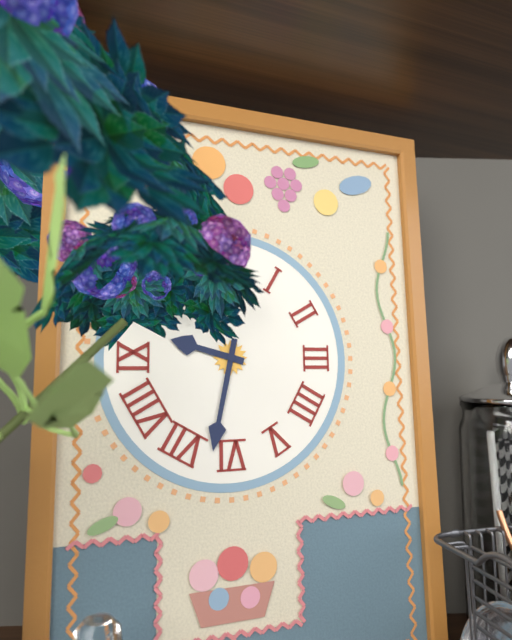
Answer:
{"hour": 9, "minute": 32}
